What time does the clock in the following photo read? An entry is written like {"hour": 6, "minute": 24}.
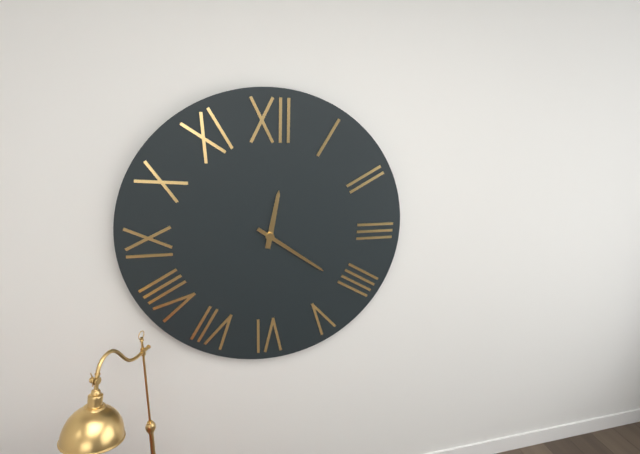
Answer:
{"hour": 12, "minute": 21}
